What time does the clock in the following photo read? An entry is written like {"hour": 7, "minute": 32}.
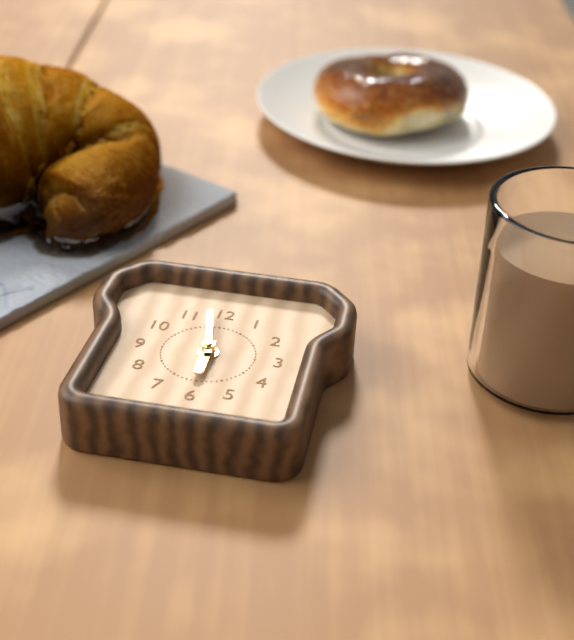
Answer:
{"hour": 5, "minute": 58}
